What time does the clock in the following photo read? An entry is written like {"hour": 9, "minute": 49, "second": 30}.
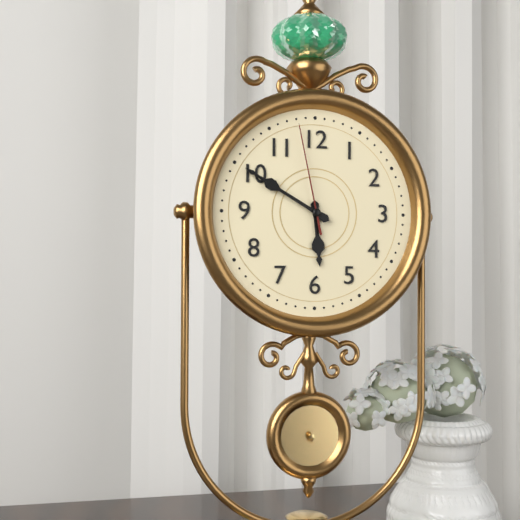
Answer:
{"hour": 5, "minute": 50, "second": 58}
